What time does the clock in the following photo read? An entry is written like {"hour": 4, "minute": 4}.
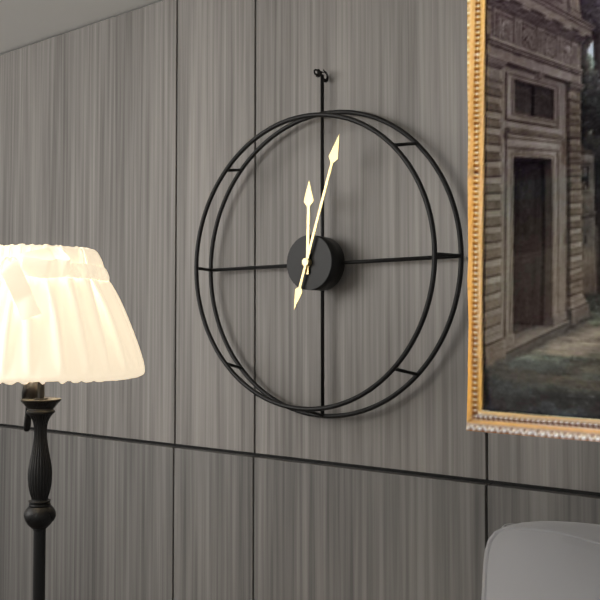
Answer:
{"hour": 12, "minute": 3}
